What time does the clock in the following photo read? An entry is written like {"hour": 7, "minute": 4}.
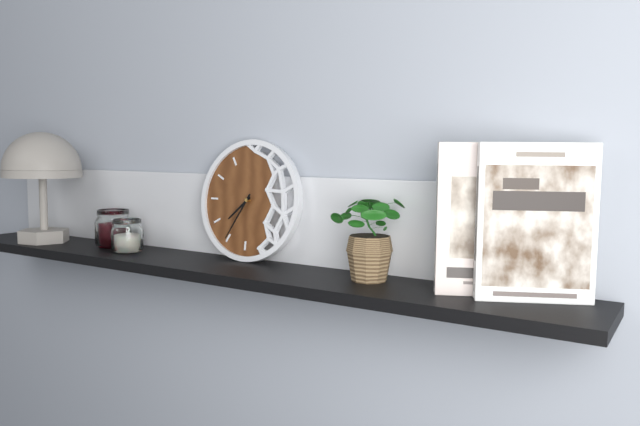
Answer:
{"hour": 7, "minute": 35}
